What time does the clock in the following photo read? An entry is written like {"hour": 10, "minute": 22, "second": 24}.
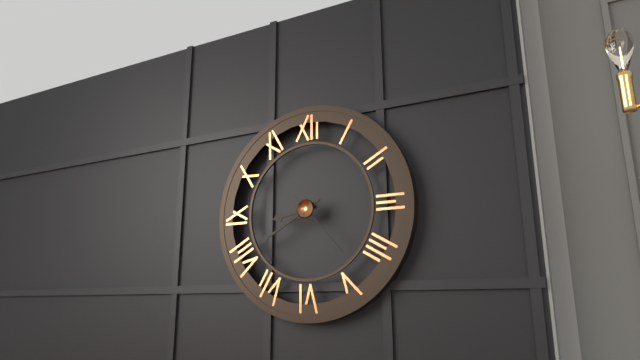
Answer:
{"hour": 8, "minute": 40, "second": 23}
